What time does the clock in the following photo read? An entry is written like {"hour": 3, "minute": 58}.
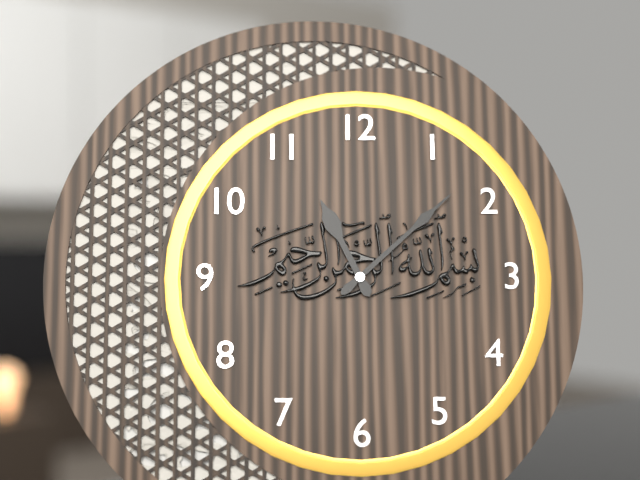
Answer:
{"hour": 11, "minute": 8}
